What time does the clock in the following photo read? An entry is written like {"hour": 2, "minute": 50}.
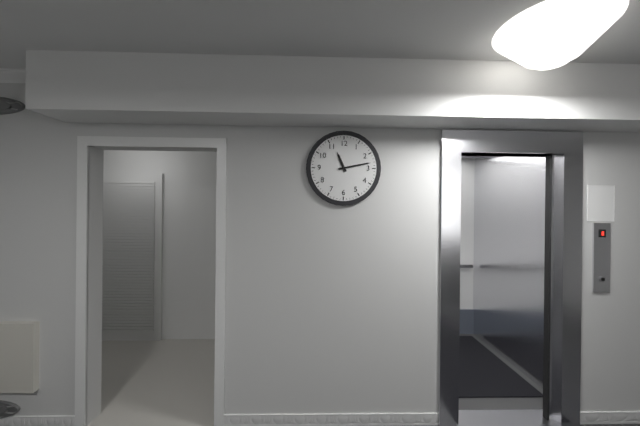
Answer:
{"hour": 11, "minute": 13}
